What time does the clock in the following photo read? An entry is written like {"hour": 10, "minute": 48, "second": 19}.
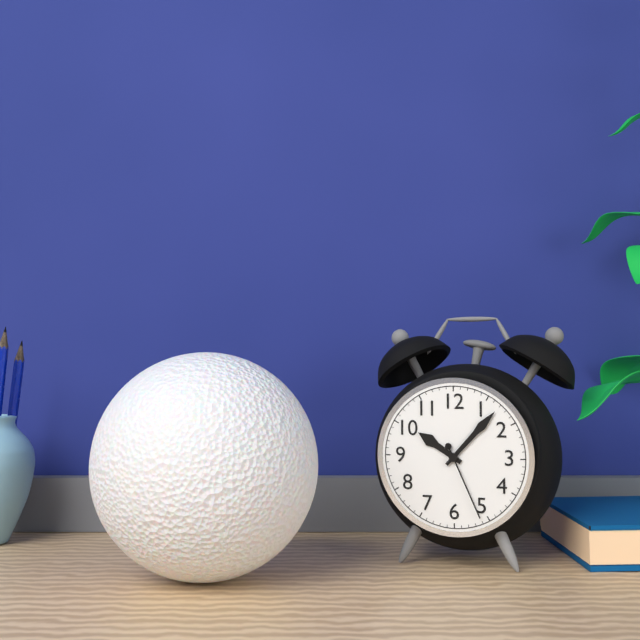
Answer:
{"hour": 10, "minute": 7, "second": 26}
